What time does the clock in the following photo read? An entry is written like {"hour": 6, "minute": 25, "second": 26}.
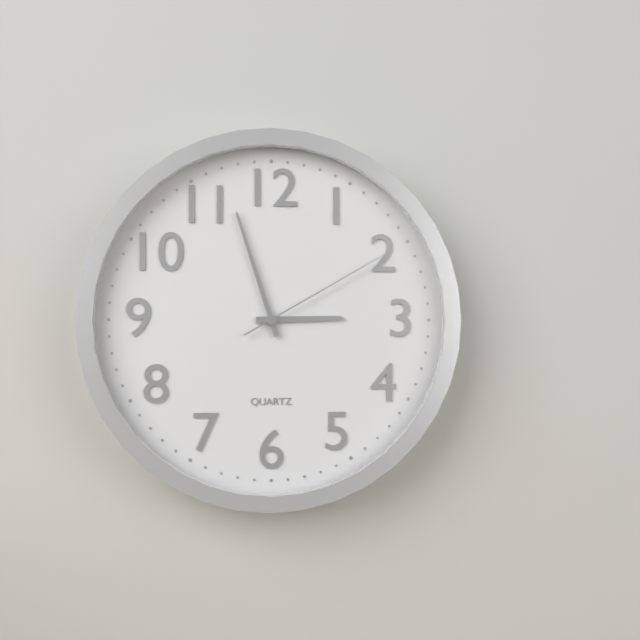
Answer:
{"hour": 2, "minute": 57, "second": 10}
